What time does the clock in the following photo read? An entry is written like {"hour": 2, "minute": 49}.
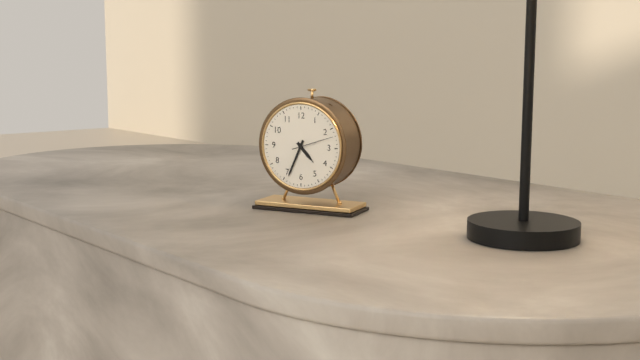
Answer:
{"hour": 4, "minute": 34}
